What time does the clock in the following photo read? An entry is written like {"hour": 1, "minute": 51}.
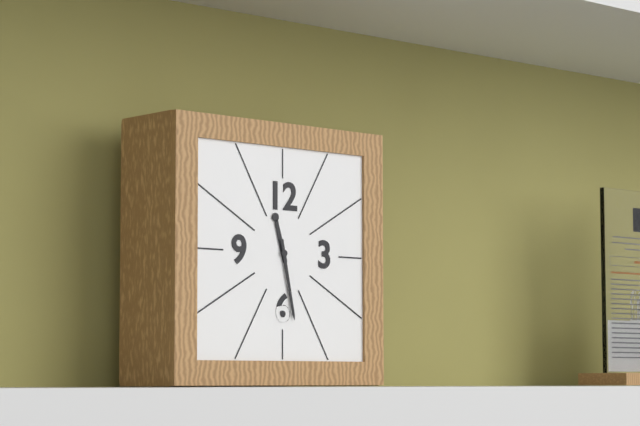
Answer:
{"hour": 11, "minute": 28}
